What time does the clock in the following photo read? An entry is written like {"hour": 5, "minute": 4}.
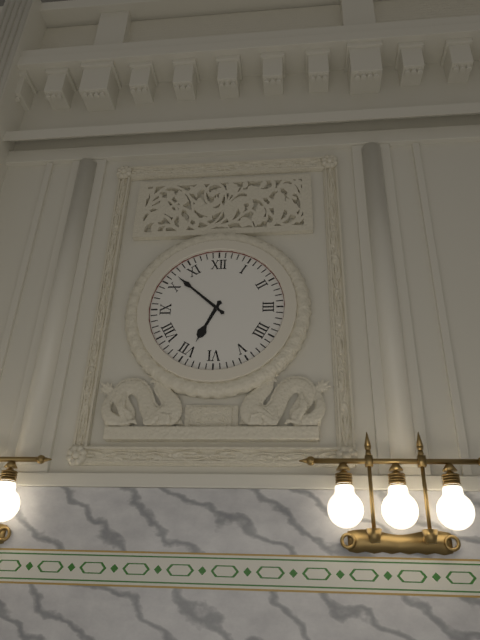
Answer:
{"hour": 6, "minute": 52}
